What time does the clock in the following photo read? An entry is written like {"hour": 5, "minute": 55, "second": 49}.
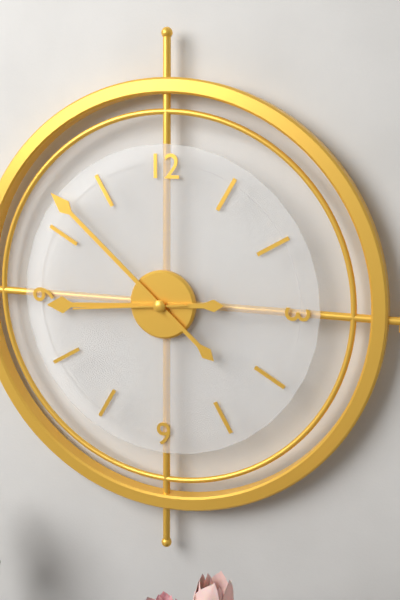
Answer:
{"hour": 8, "minute": 52, "second": 44}
